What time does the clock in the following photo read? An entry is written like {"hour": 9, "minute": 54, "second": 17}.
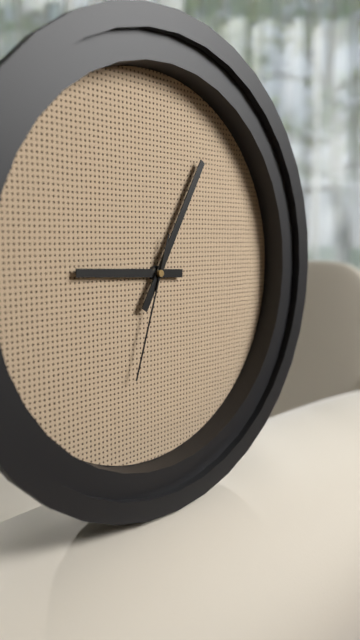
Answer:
{"hour": 9, "minute": 5, "second": 33}
